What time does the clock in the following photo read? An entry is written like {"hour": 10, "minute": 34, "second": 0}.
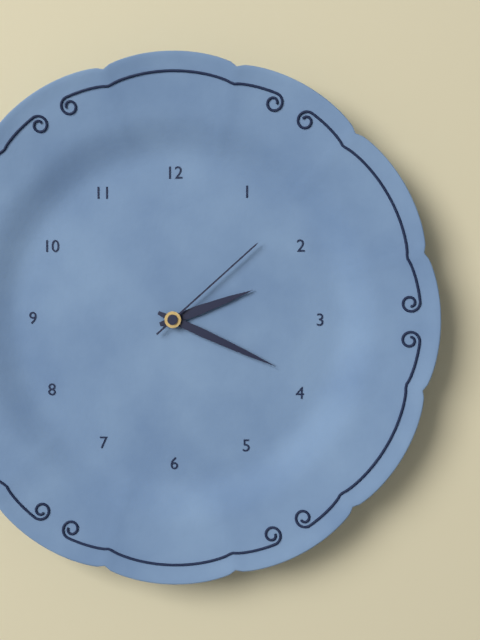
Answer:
{"hour": 2, "minute": 19, "second": 8}
